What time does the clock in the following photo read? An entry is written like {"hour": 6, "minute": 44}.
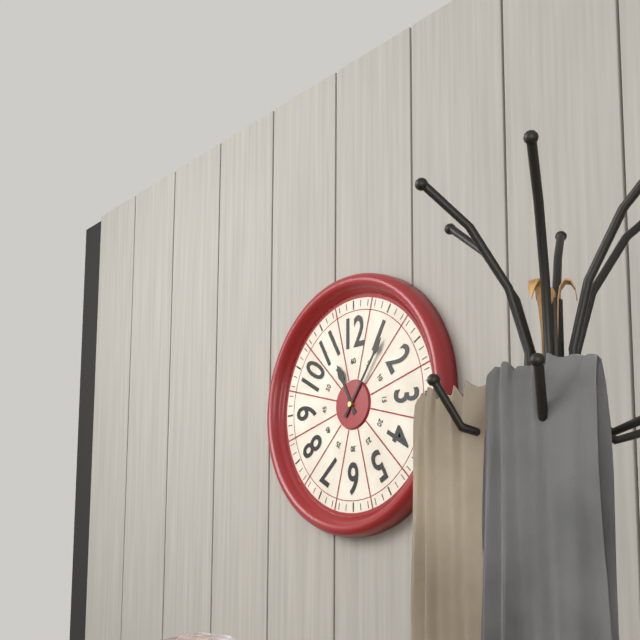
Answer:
{"hour": 11, "minute": 6}
